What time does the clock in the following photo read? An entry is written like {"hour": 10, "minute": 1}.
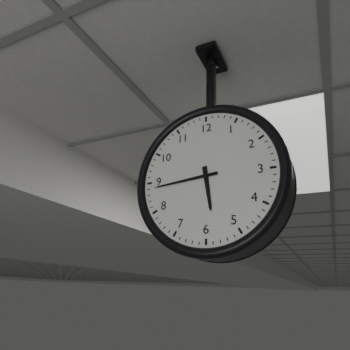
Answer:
{"hour": 5, "minute": 44}
